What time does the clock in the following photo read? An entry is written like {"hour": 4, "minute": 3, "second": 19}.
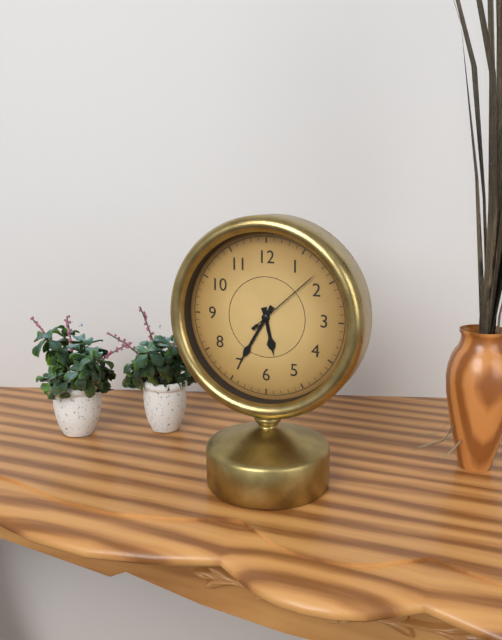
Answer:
{"hour": 5, "minute": 35, "second": 8}
